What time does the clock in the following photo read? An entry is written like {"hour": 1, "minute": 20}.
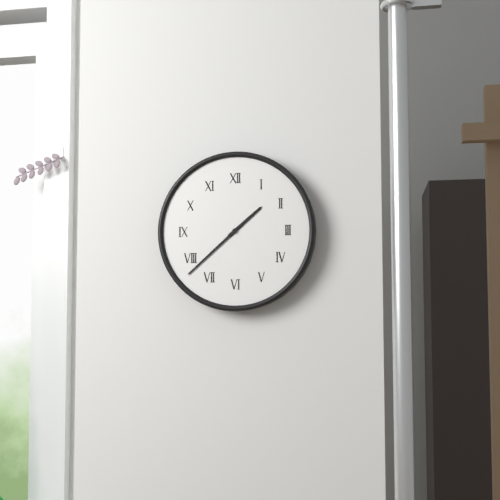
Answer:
{"hour": 1, "minute": 38}
